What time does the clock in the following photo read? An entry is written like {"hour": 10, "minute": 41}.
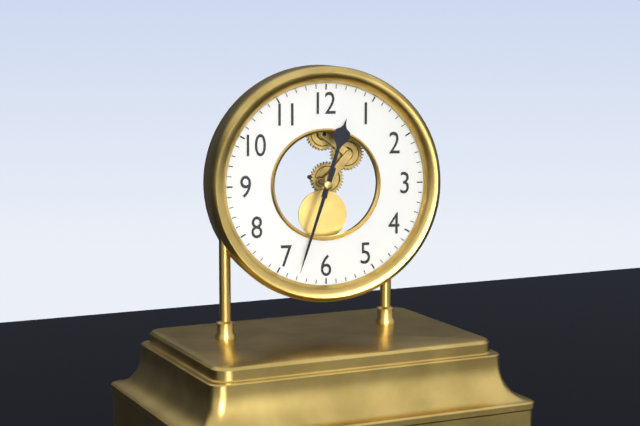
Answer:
{"hour": 12, "minute": 33}
